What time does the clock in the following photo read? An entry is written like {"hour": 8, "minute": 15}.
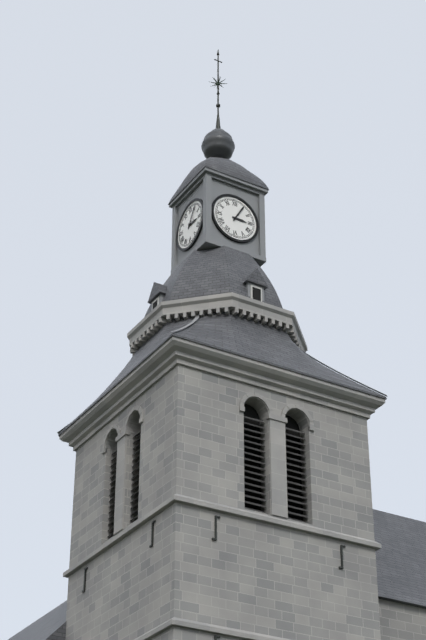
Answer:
{"hour": 3, "minute": 5}
